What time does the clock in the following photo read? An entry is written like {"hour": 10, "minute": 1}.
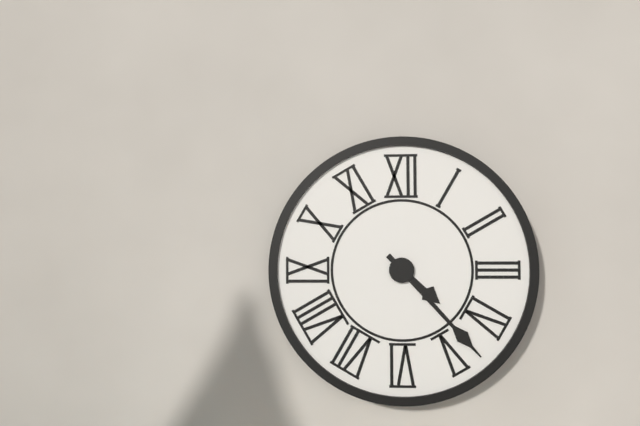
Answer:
{"hour": 4, "minute": 23}
